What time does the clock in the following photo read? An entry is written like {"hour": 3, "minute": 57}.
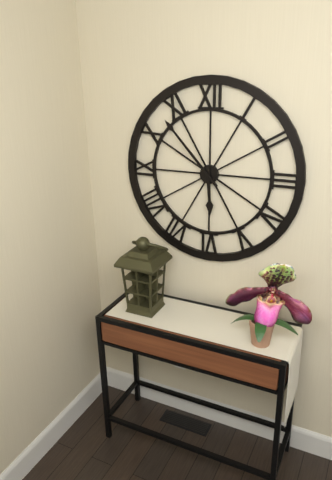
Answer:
{"hour": 5, "minute": 53}
